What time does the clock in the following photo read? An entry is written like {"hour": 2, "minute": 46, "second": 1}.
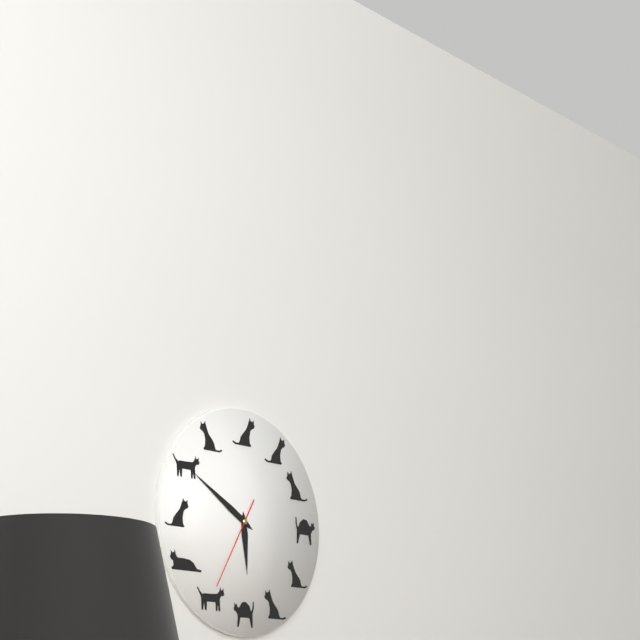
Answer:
{"hour": 5, "minute": 50, "second": 35}
